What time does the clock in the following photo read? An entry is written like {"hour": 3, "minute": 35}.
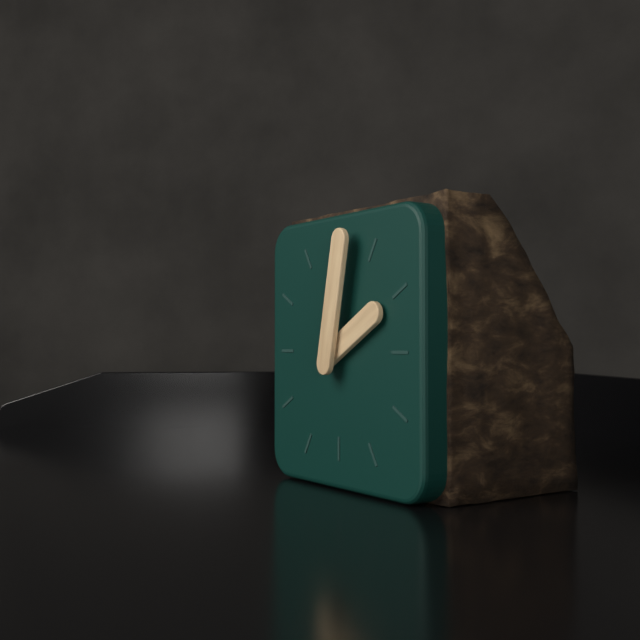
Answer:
{"hour": 2, "minute": 2}
